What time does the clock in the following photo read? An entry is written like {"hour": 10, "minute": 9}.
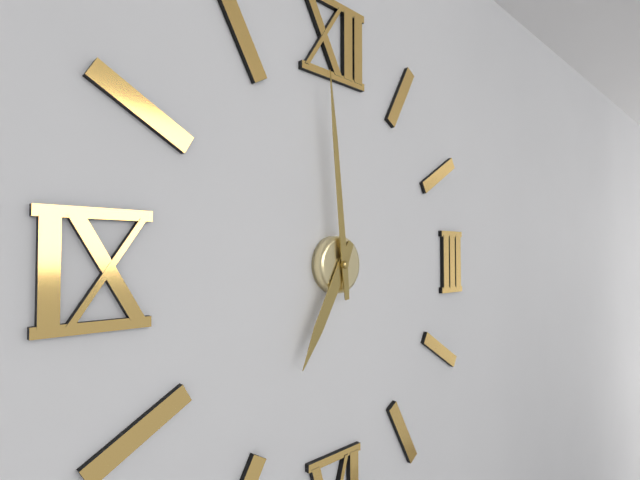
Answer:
{"hour": 6, "minute": 59}
